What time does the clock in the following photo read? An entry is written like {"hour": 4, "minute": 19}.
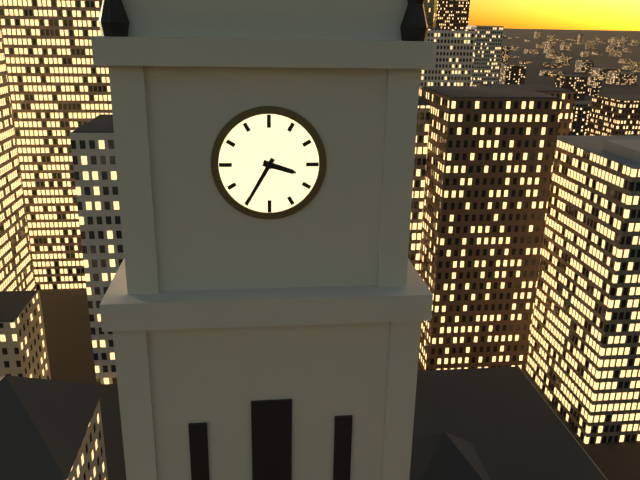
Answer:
{"hour": 3, "minute": 35}
